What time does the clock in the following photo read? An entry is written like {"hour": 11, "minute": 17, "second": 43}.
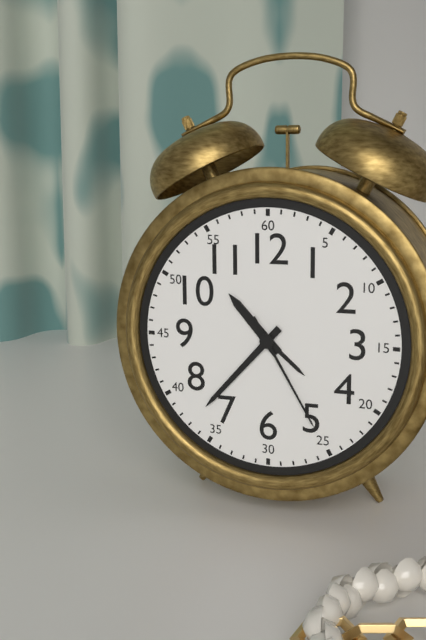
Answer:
{"hour": 10, "minute": 37, "second": 25}
